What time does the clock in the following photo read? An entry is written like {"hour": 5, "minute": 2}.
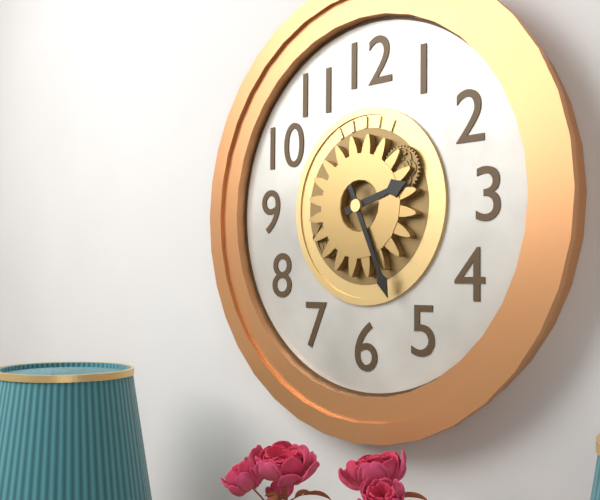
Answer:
{"hour": 2, "minute": 26}
